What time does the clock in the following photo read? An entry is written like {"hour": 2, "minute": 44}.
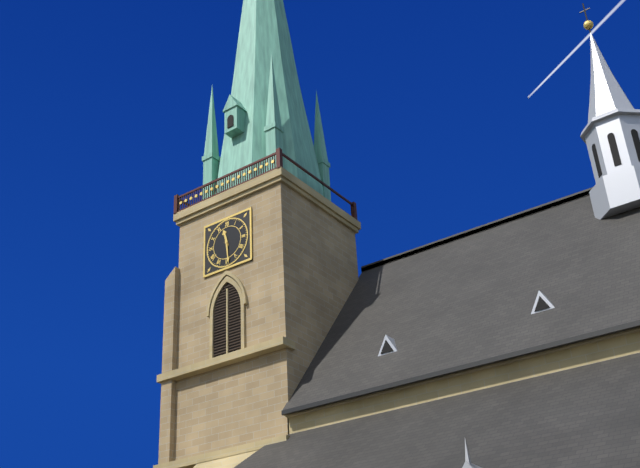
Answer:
{"hour": 11, "minute": 29}
